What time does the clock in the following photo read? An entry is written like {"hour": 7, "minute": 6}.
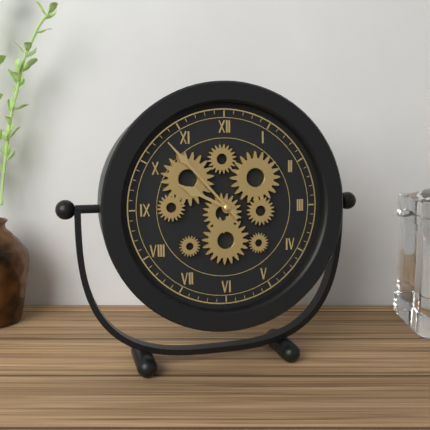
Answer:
{"hour": 9, "minute": 53}
